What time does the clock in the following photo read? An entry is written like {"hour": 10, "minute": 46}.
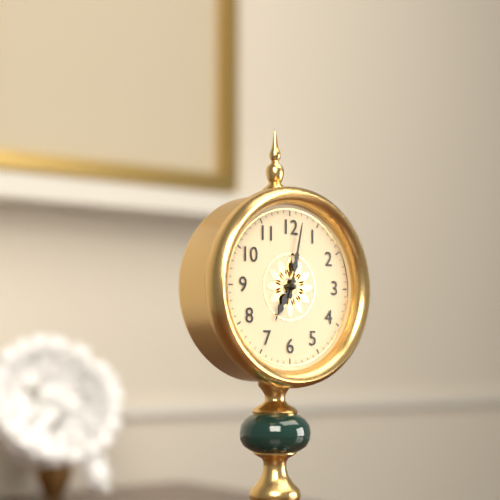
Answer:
{"hour": 7, "minute": 2}
